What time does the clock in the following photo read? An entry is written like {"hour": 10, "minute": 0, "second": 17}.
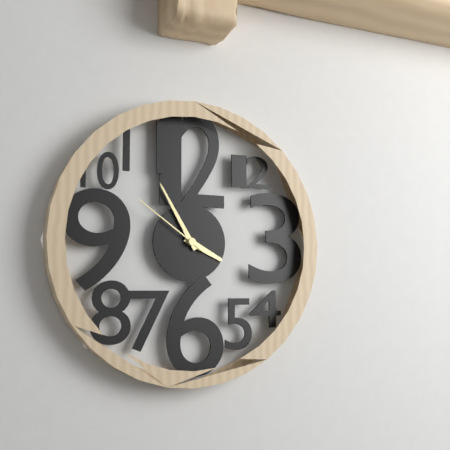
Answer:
{"hour": 3, "minute": 55, "second": 51}
